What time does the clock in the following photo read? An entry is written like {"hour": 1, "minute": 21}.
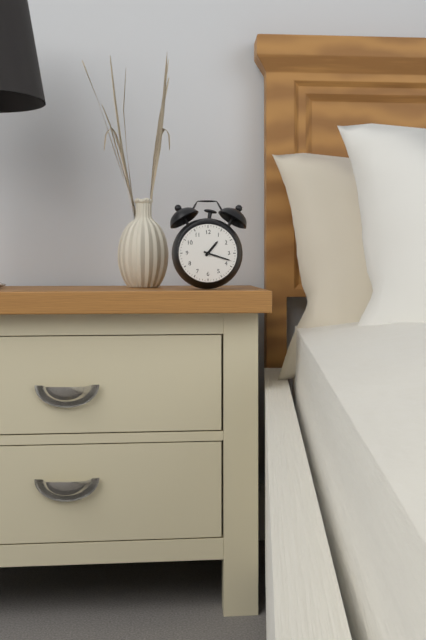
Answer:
{"hour": 1, "minute": 18}
